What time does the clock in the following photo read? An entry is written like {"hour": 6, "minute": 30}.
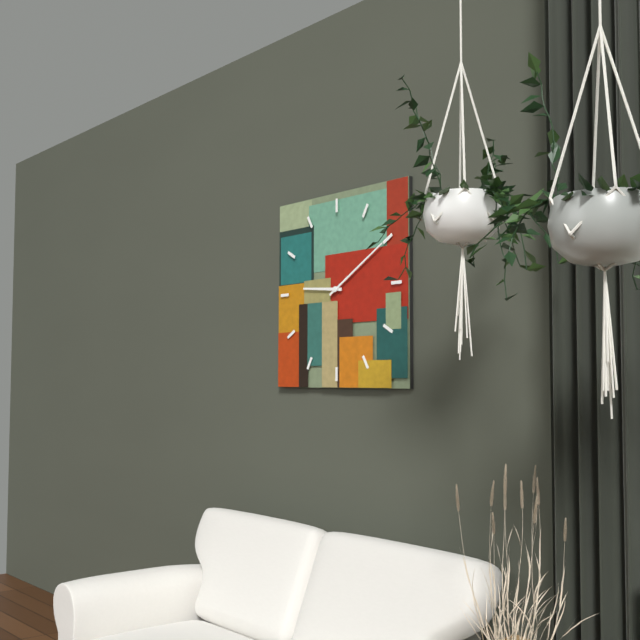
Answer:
{"hour": 9, "minute": 10}
